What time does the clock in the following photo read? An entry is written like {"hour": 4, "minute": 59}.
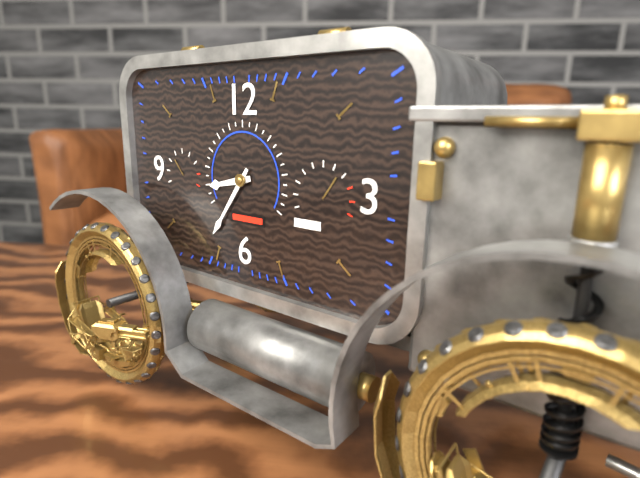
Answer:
{"hour": 8, "minute": 36}
